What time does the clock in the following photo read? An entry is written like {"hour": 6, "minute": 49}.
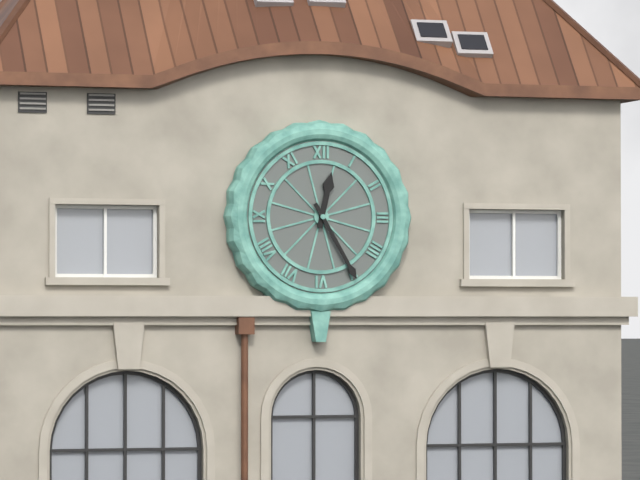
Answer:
{"hour": 12, "minute": 25}
